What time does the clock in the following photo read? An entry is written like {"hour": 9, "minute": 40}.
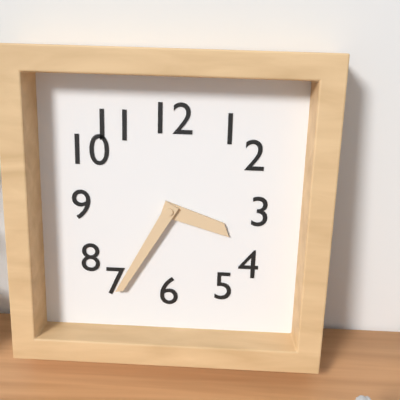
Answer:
{"hour": 3, "minute": 35}
